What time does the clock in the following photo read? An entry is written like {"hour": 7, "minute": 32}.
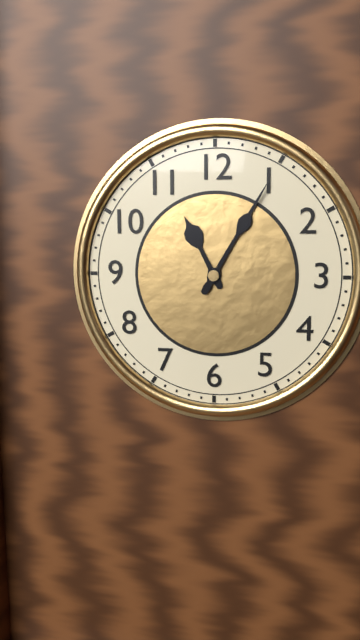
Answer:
{"hour": 11, "minute": 5}
